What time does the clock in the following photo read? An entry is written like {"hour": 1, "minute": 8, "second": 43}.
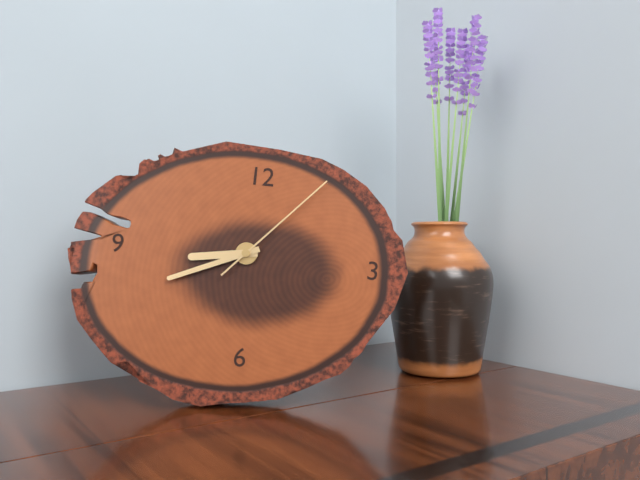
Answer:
{"hour": 8, "minute": 41, "second": 7}
